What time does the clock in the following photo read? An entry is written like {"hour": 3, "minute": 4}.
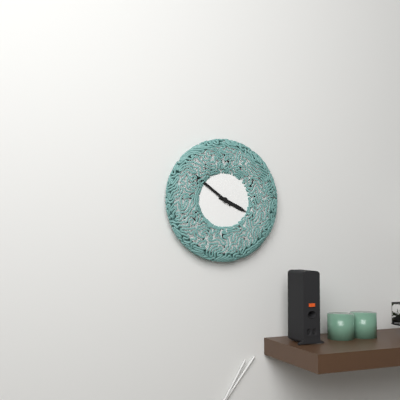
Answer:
{"hour": 3, "minute": 51}
